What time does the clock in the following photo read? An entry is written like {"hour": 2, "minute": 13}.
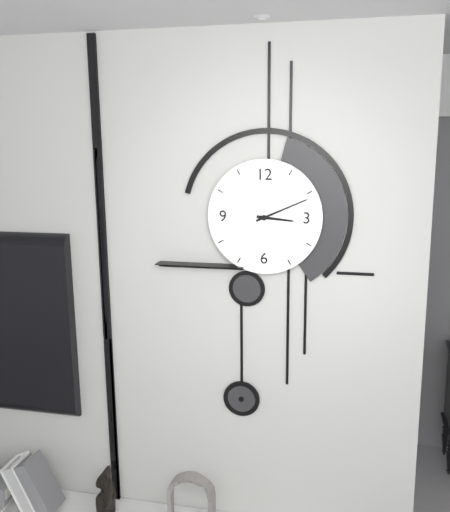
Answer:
{"hour": 3, "minute": 11}
